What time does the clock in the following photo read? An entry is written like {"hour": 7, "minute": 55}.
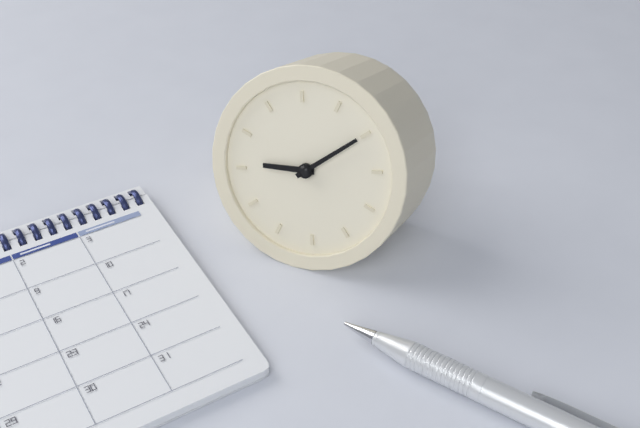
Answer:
{"hour": 9, "minute": 10}
